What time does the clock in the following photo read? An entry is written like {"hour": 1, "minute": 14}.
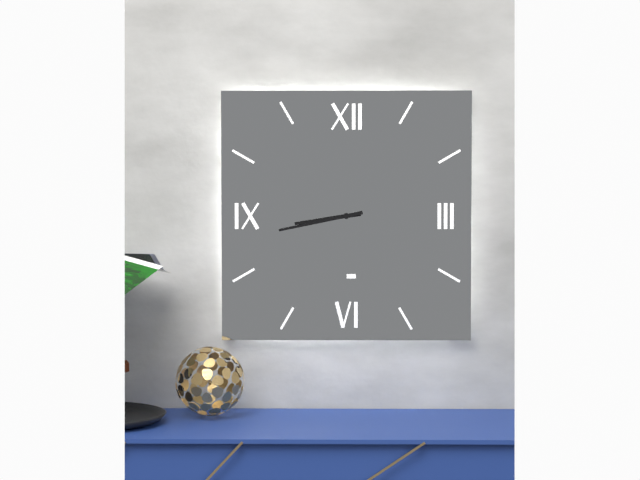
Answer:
{"hour": 8, "minute": 43}
